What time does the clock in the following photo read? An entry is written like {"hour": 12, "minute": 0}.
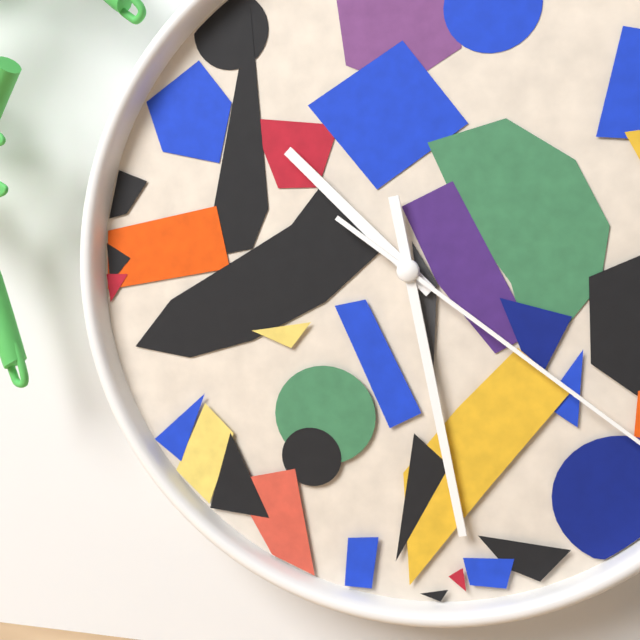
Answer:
{"hour": 10, "minute": 28}
